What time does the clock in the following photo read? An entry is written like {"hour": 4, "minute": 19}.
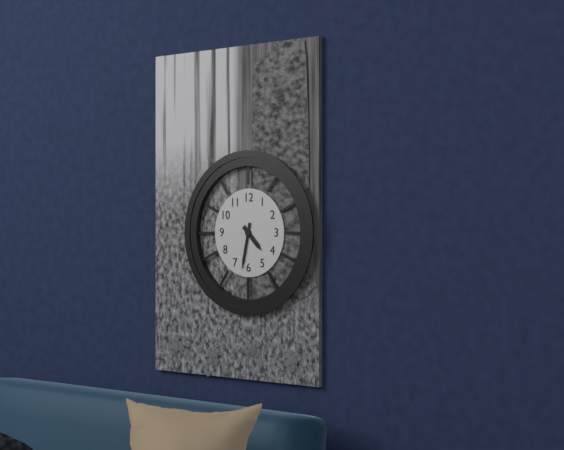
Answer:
{"hour": 4, "minute": 32}
